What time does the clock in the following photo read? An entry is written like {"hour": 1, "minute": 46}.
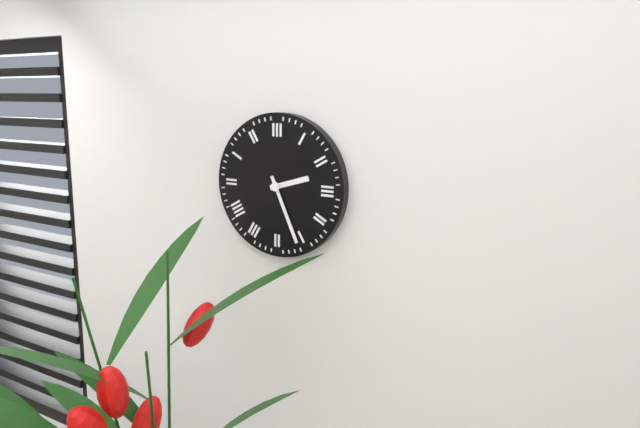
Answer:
{"hour": 2, "minute": 26}
